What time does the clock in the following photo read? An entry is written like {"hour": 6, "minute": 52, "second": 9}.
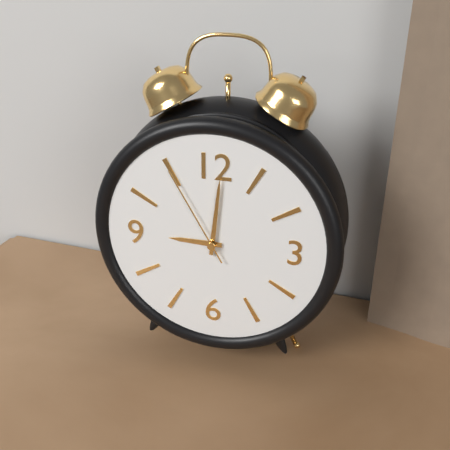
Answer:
{"hour": 9, "minute": 1, "second": 55}
